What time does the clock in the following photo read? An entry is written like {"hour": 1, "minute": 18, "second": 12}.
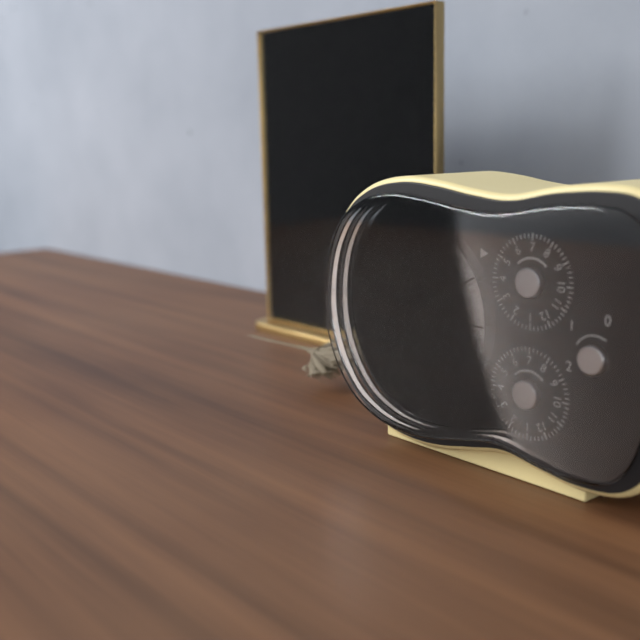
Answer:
{"hour": 7, "minute": 32, "second": 15}
